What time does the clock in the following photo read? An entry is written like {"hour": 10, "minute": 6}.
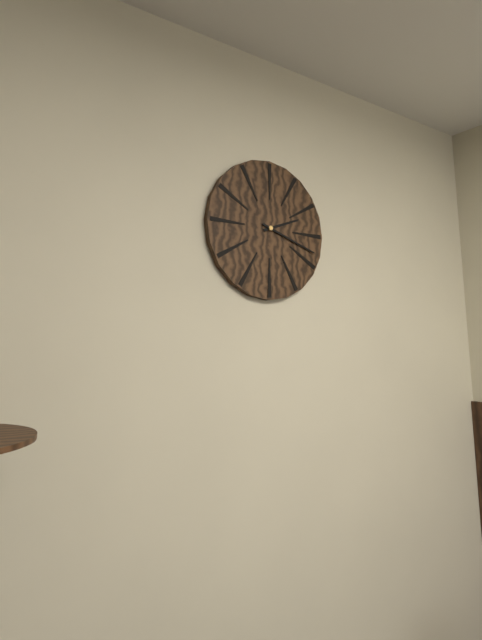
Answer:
{"hour": 2, "minute": 18}
